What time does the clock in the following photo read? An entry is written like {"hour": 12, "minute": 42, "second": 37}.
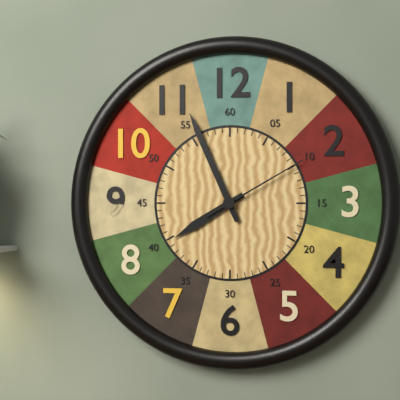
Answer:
{"hour": 7, "minute": 56, "second": 10}
